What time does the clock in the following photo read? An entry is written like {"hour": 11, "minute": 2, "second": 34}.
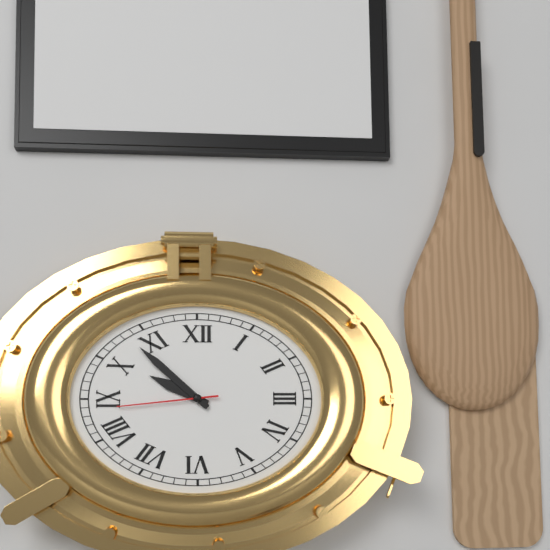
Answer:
{"hour": 9, "minute": 52, "second": 44}
